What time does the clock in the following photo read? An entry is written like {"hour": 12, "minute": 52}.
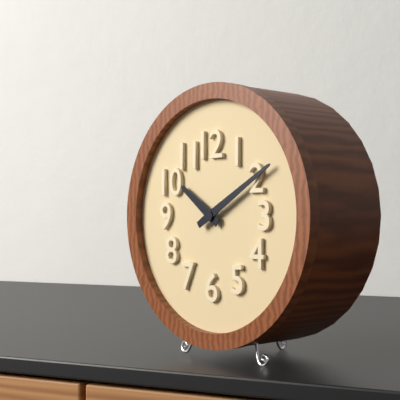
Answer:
{"hour": 10, "minute": 10}
